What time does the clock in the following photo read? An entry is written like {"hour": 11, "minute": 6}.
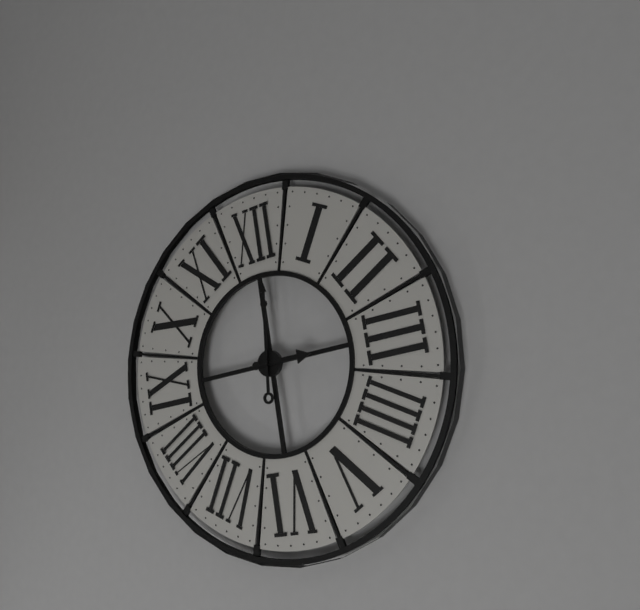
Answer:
{"hour": 3, "minute": 1}
